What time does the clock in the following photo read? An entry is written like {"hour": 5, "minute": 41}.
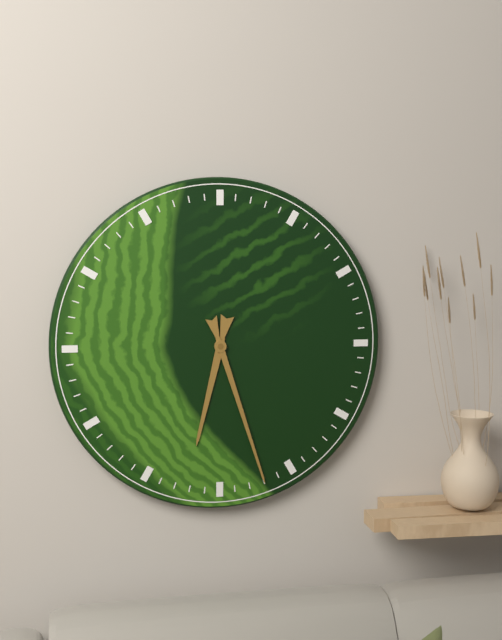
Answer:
{"hour": 6, "minute": 27}
